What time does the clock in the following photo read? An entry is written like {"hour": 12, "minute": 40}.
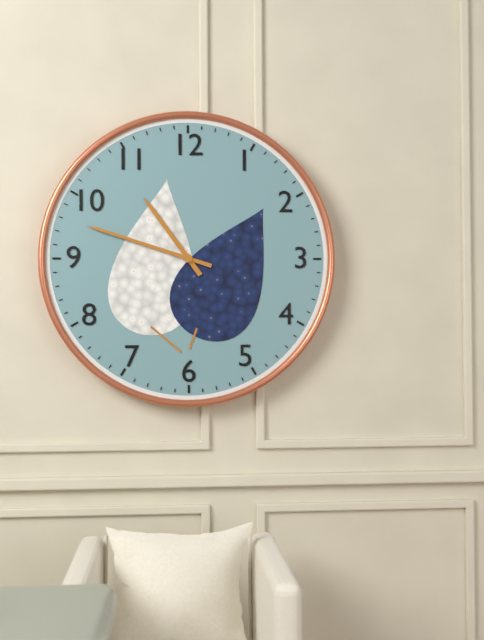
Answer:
{"hour": 10, "minute": 48}
